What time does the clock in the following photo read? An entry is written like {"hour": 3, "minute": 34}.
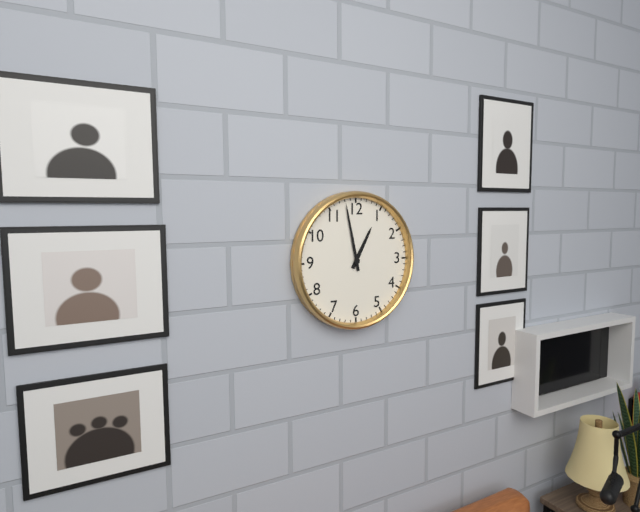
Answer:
{"hour": 12, "minute": 58}
